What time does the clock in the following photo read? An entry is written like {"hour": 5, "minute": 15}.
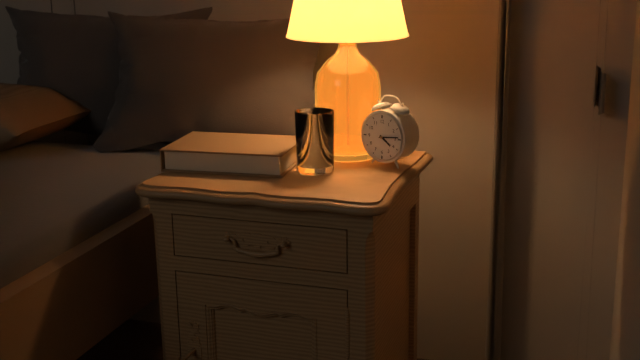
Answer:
{"hour": 4, "minute": 14}
